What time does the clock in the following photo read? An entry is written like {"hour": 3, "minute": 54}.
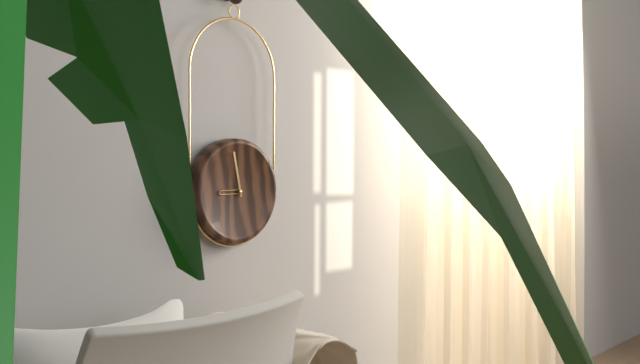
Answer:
{"hour": 8, "minute": 58}
